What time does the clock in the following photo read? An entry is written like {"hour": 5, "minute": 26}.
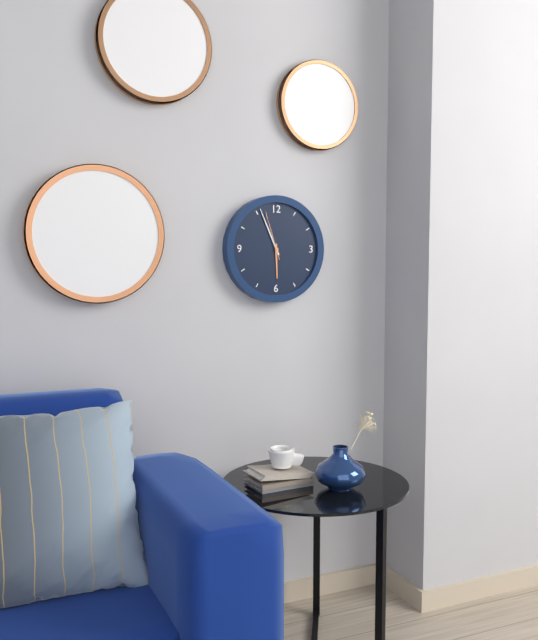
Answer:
{"hour": 5, "minute": 56}
